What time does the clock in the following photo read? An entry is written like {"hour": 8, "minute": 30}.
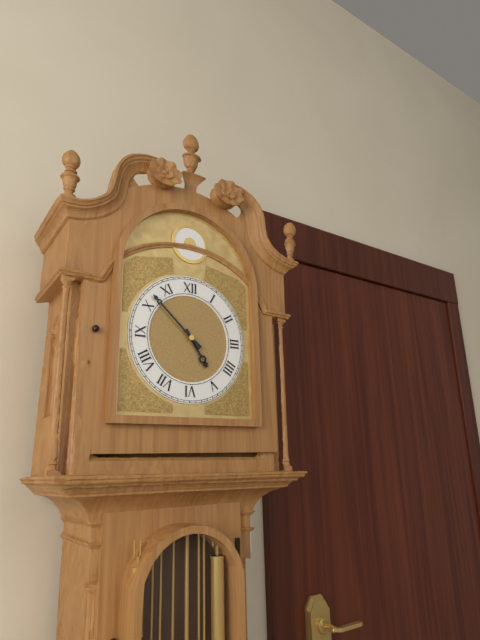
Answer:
{"hour": 4, "minute": 52}
